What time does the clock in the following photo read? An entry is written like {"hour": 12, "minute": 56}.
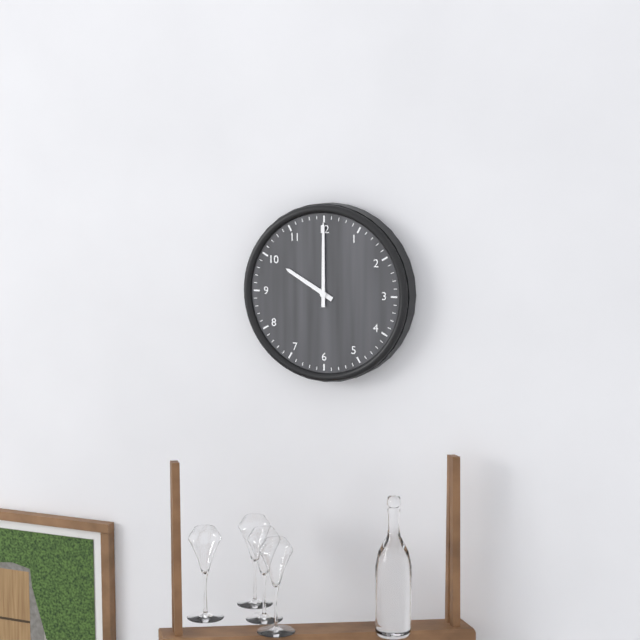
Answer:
{"hour": 10, "minute": 0}
